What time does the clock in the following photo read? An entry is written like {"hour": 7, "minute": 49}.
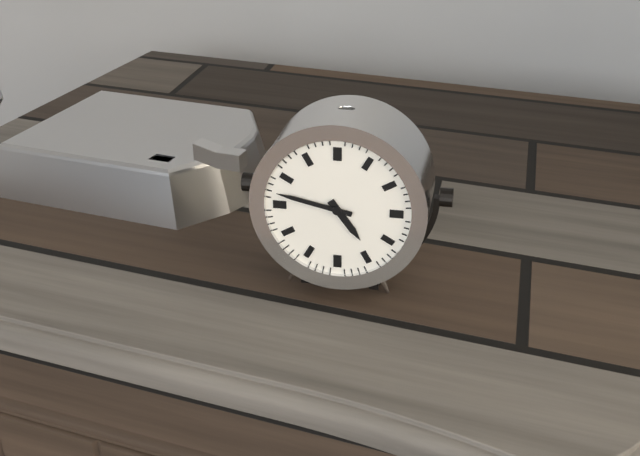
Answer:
{"hour": 4, "minute": 47}
